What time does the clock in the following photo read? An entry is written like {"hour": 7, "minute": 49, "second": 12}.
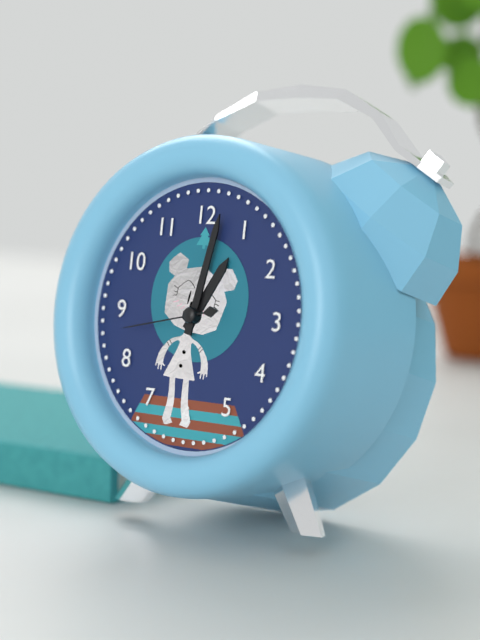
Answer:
{"hour": 1, "minute": 2, "second": 43}
